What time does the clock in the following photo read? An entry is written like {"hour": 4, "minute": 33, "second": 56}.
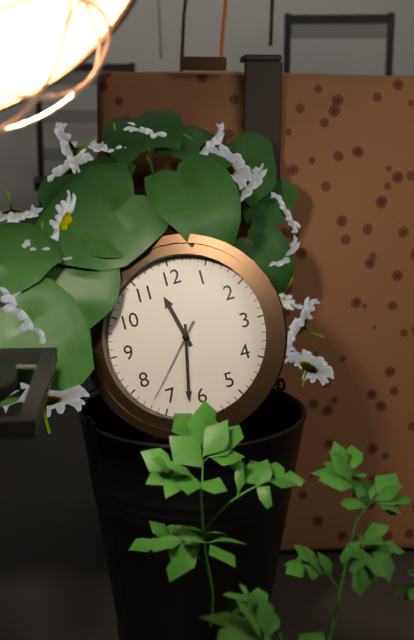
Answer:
{"hour": 11, "minute": 32, "second": 37}
